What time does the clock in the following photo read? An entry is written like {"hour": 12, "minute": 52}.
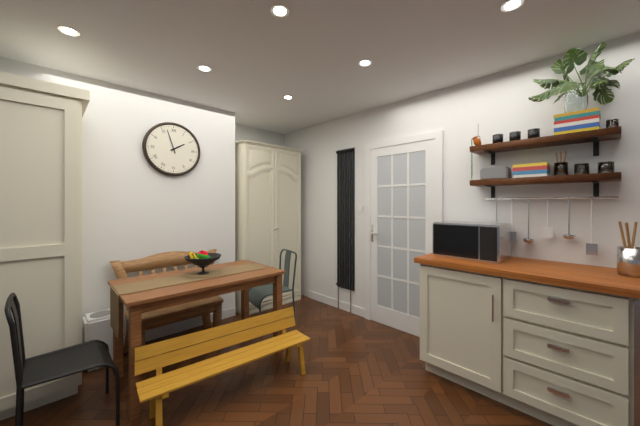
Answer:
{"hour": 1, "minute": 57}
